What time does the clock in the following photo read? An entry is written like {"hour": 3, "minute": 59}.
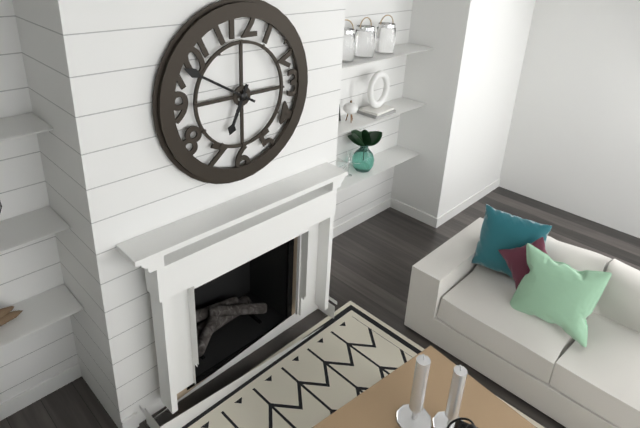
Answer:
{"hour": 6, "minute": 50}
